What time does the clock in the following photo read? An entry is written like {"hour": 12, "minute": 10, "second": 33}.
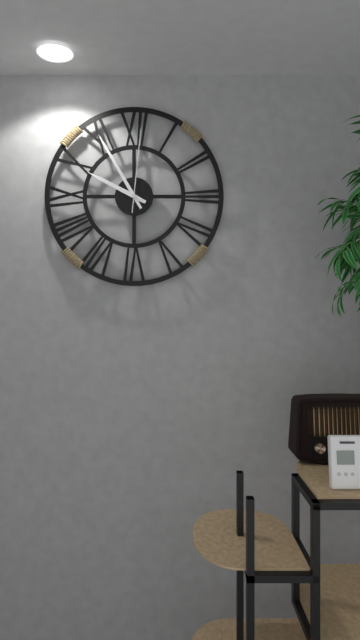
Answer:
{"hour": 9, "minute": 55, "second": 1}
